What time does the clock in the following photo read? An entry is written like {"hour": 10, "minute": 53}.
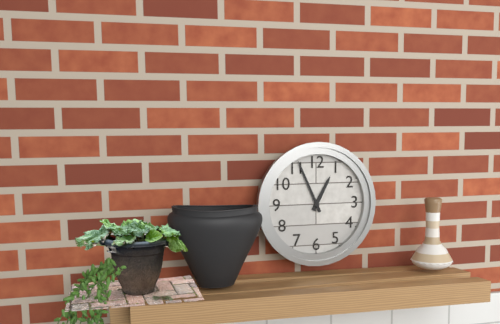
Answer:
{"hour": 12, "minute": 56}
